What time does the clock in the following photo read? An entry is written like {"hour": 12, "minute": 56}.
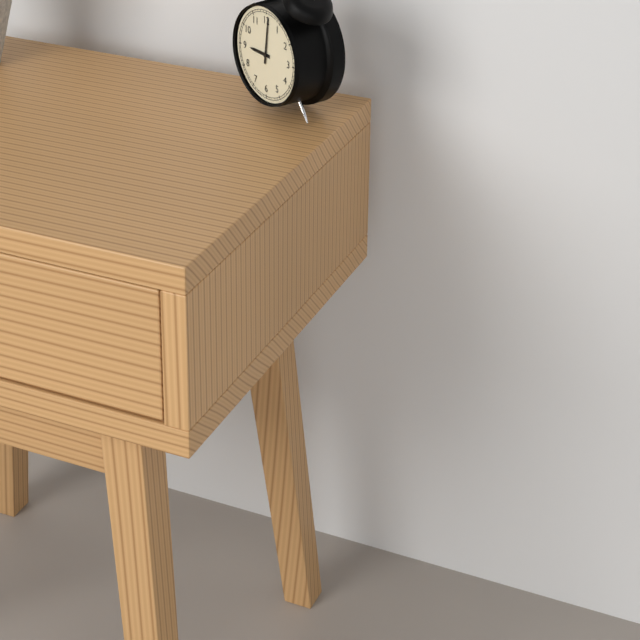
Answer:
{"hour": 9, "minute": 1}
